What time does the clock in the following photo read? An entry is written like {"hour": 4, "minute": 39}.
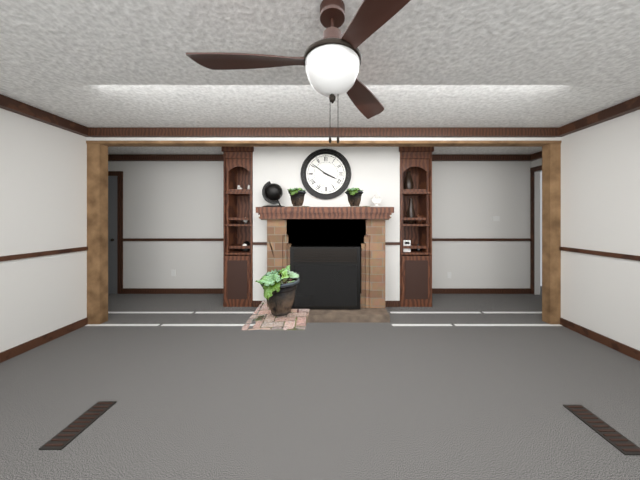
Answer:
{"hour": 3, "minute": 51}
